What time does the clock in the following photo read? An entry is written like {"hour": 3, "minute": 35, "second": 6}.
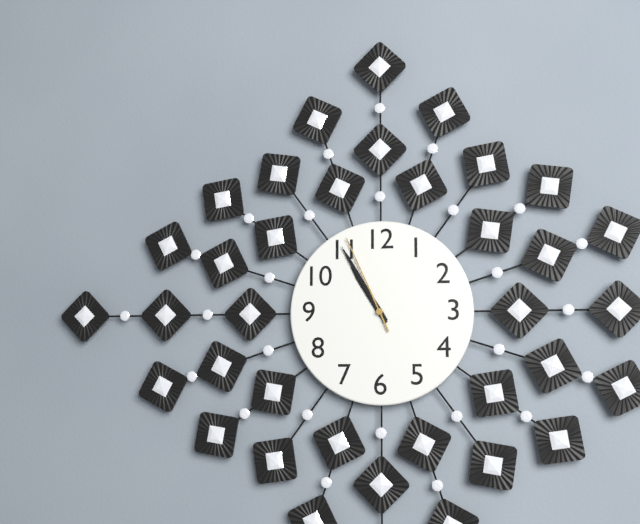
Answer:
{"hour": 10, "minute": 55, "second": 56}
